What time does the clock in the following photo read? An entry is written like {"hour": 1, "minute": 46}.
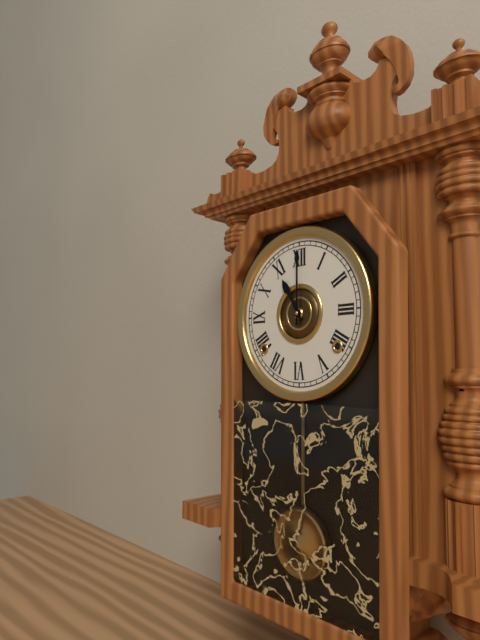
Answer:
{"hour": 11, "minute": 0}
